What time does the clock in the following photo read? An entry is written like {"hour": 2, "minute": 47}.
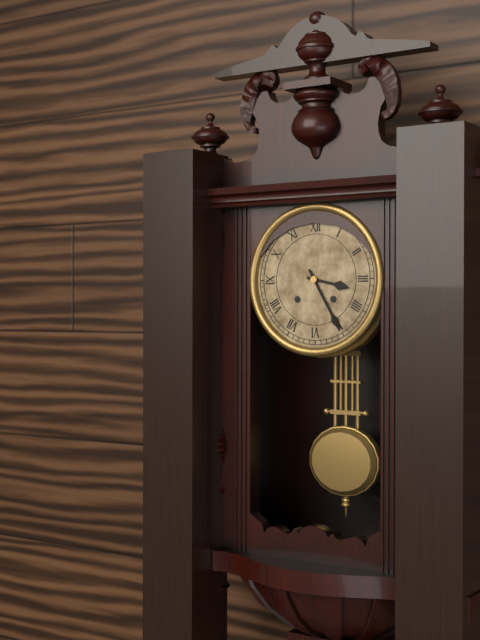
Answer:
{"hour": 3, "minute": 25}
